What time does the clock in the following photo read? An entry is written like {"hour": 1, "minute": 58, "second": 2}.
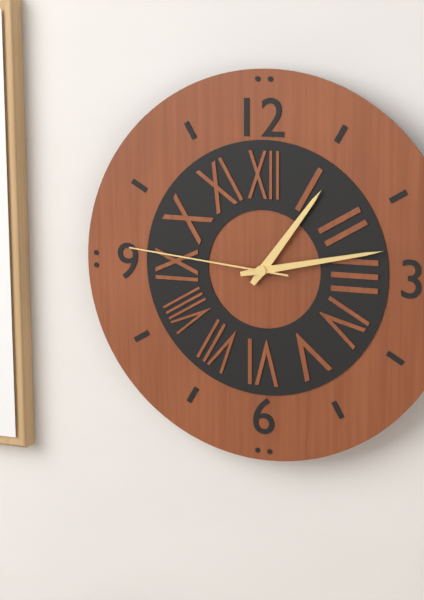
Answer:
{"hour": 1, "minute": 13, "second": 46}
